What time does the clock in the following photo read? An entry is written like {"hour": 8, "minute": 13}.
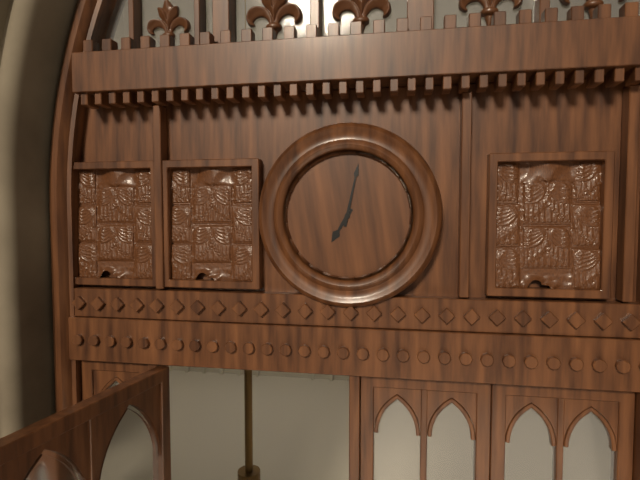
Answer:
{"hour": 7, "minute": 2}
